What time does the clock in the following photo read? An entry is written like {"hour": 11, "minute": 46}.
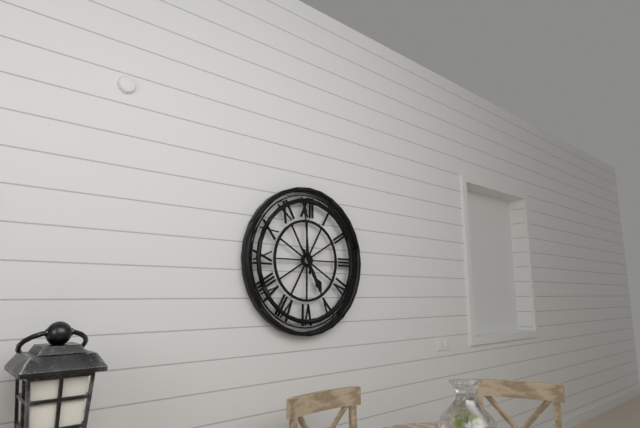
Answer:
{"hour": 4, "minute": 59}
